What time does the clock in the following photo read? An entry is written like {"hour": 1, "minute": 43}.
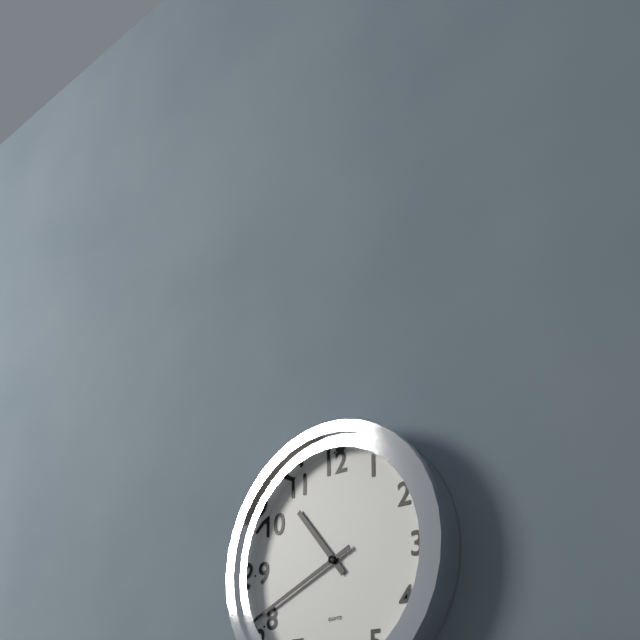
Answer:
{"hour": 10, "minute": 41}
